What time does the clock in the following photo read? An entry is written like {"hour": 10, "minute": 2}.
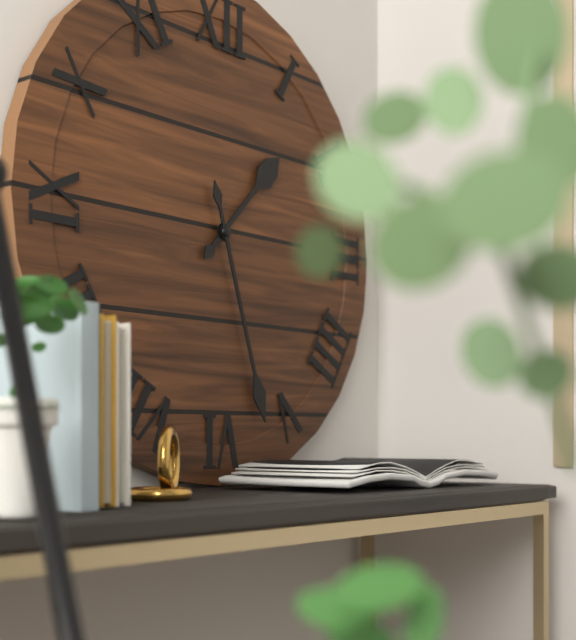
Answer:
{"hour": 1, "minute": 27}
